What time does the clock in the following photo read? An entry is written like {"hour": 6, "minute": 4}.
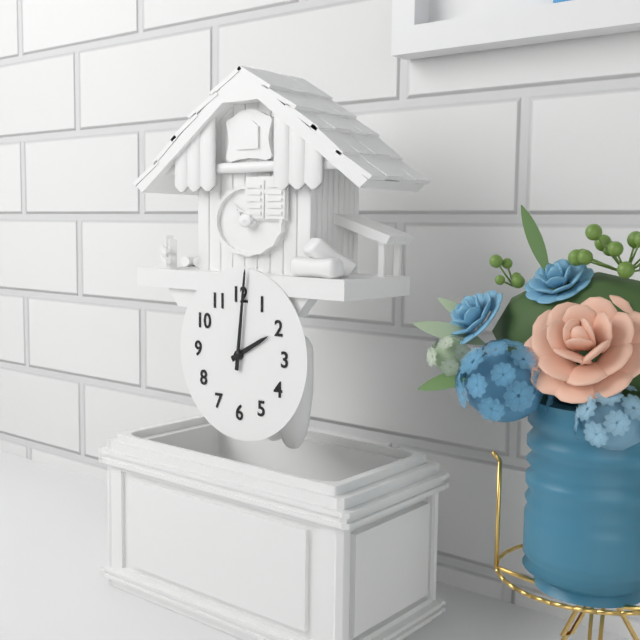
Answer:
{"hour": 2, "minute": 1}
